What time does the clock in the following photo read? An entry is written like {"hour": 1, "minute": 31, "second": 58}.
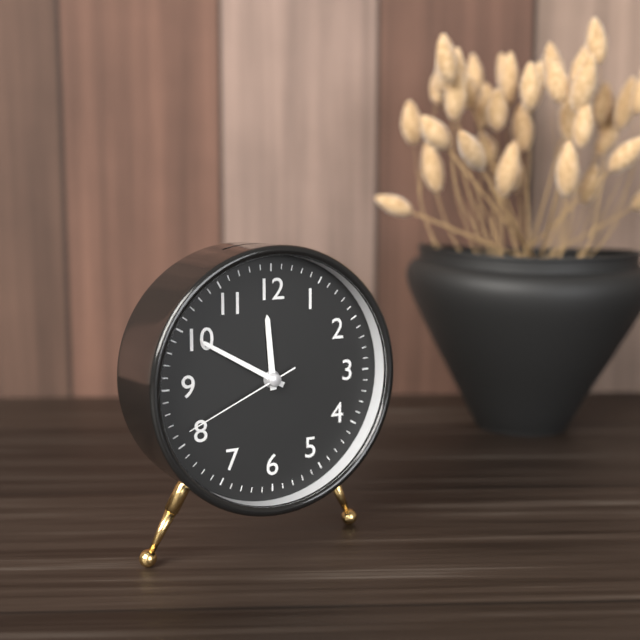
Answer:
{"hour": 11, "minute": 50, "second": 41}
